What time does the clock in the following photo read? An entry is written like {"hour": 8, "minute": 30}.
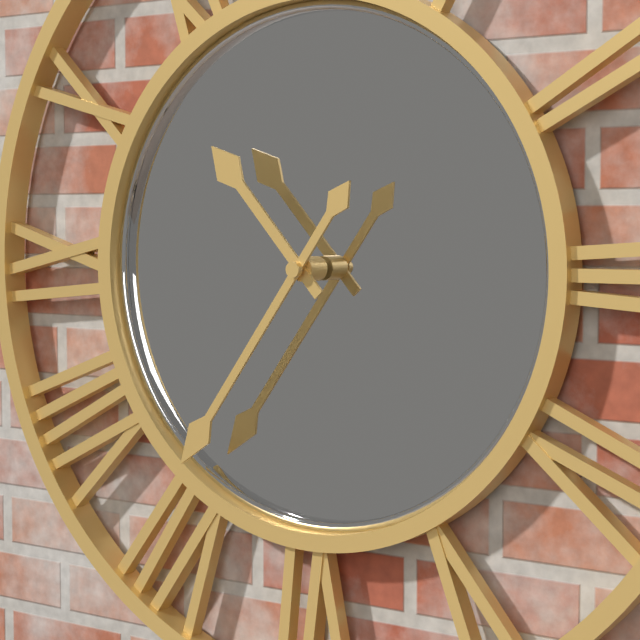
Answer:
{"hour": 10, "minute": 36}
